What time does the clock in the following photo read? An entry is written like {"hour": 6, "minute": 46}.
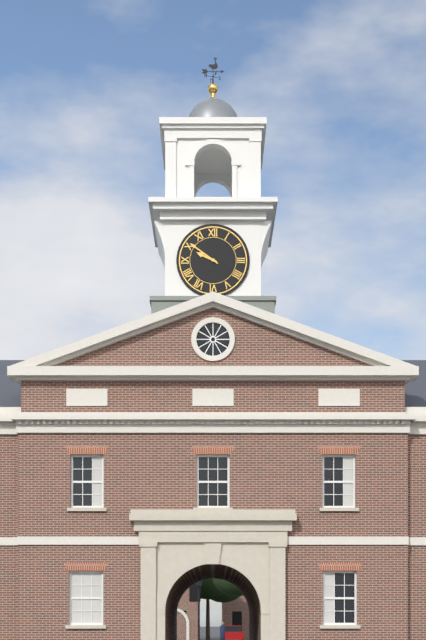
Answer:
{"hour": 9, "minute": 51}
